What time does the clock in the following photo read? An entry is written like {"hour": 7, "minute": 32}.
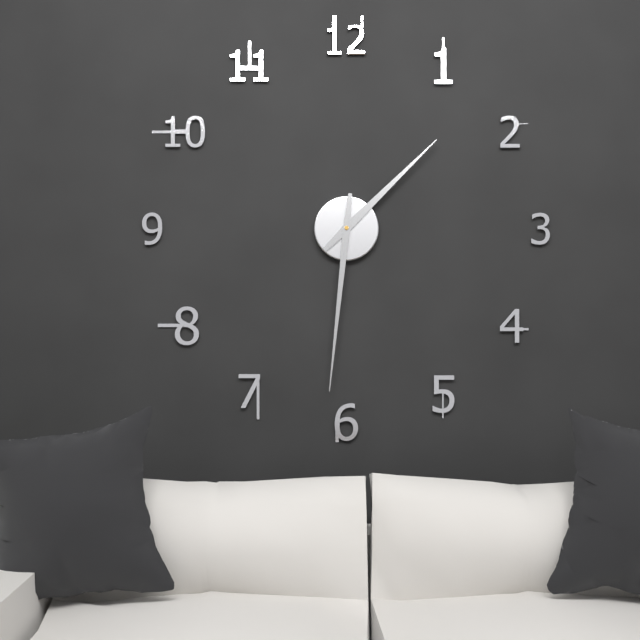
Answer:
{"hour": 1, "minute": 31}
